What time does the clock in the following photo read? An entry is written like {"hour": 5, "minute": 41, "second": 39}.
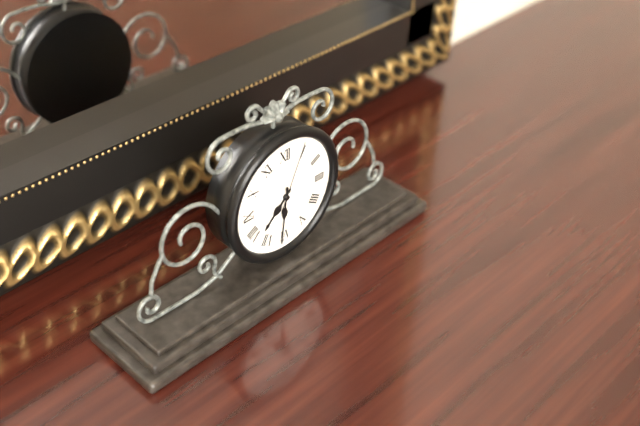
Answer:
{"hour": 7, "minute": 31, "second": 4}
